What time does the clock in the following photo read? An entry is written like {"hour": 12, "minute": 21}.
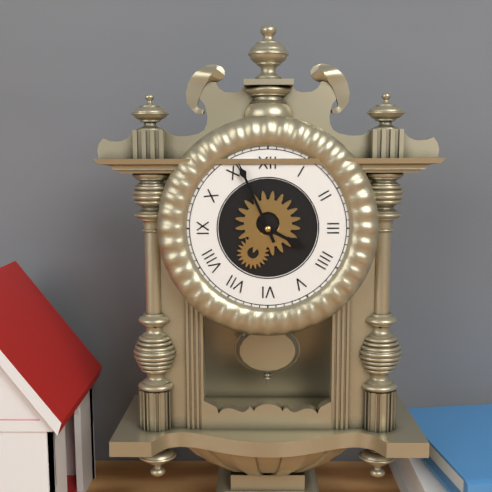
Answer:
{"hour": 3, "minute": 56}
